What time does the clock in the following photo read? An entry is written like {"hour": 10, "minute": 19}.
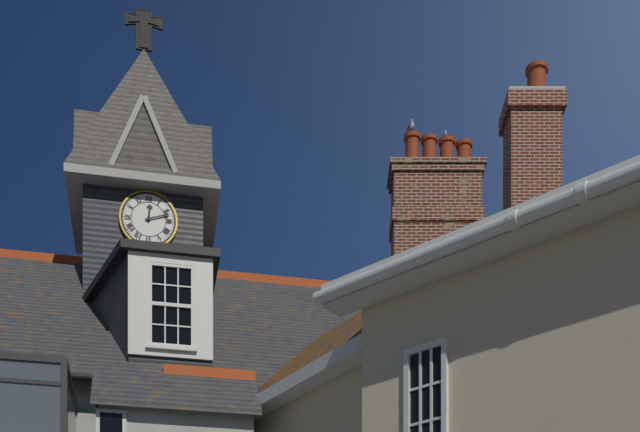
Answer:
{"hour": 12, "minute": 12}
